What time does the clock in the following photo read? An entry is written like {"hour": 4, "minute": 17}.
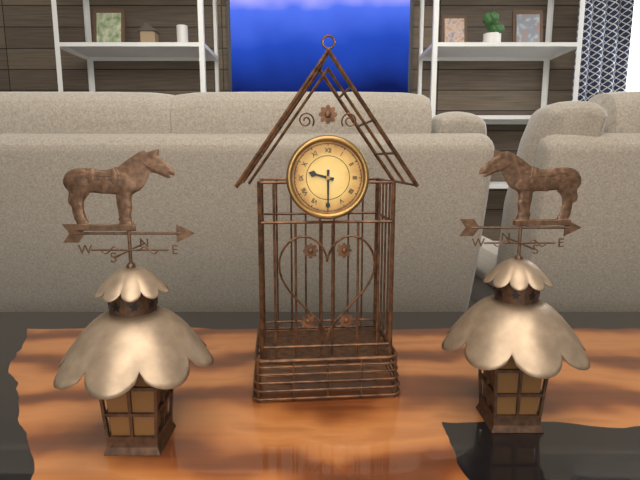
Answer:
{"hour": 9, "minute": 30}
